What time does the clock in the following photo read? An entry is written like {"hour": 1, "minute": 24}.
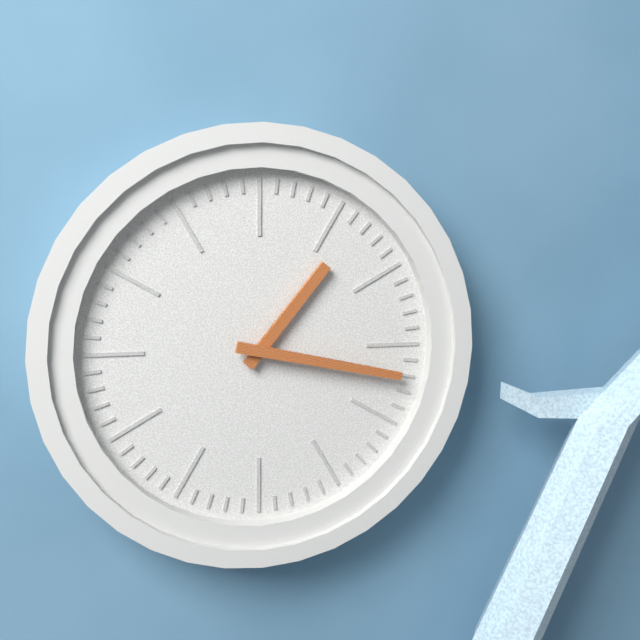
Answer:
{"hour": 1, "minute": 17}
